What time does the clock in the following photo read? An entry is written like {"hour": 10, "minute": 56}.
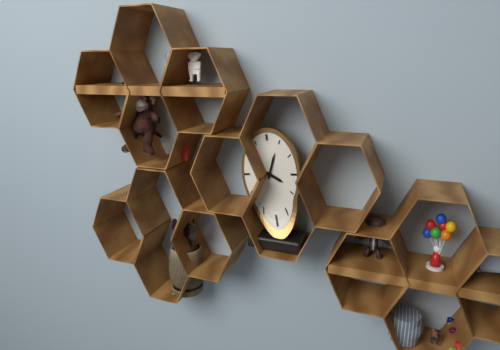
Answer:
{"hour": 4, "minute": 3}
